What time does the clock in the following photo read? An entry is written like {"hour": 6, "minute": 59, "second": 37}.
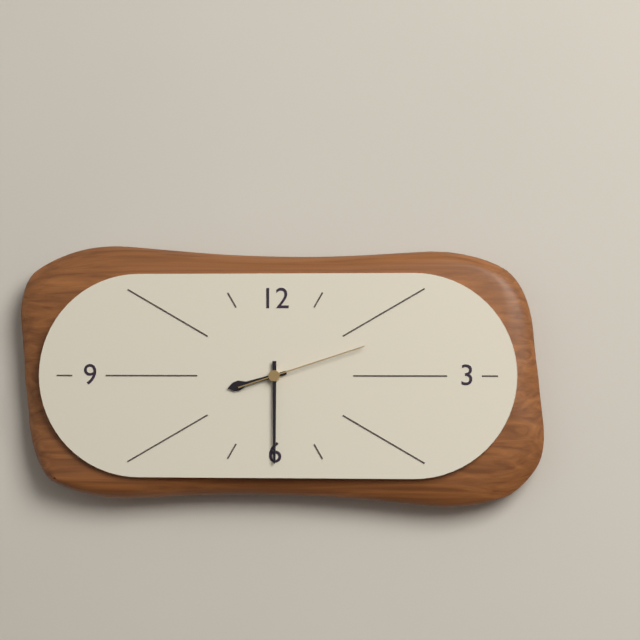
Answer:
{"hour": 8, "minute": 30, "second": 12}
